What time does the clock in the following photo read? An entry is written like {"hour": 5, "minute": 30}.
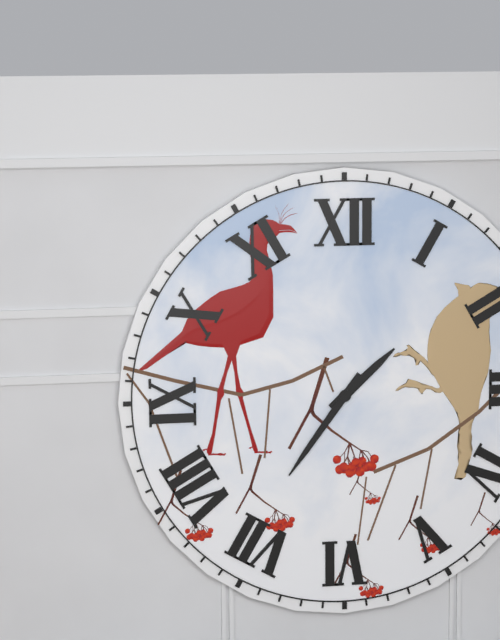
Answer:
{"hour": 1, "minute": 36}
